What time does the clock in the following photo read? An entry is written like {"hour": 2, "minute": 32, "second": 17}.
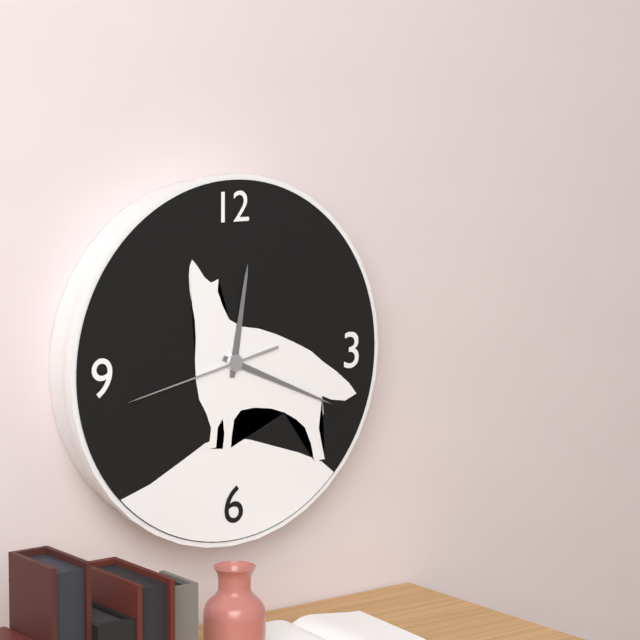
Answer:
{"hour": 12, "minute": 19, "second": 43}
